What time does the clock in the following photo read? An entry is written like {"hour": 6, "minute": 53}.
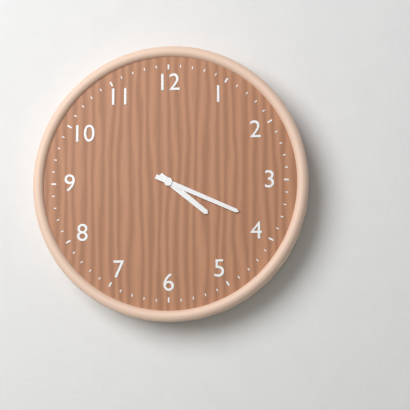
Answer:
{"hour": 4, "minute": 19}
